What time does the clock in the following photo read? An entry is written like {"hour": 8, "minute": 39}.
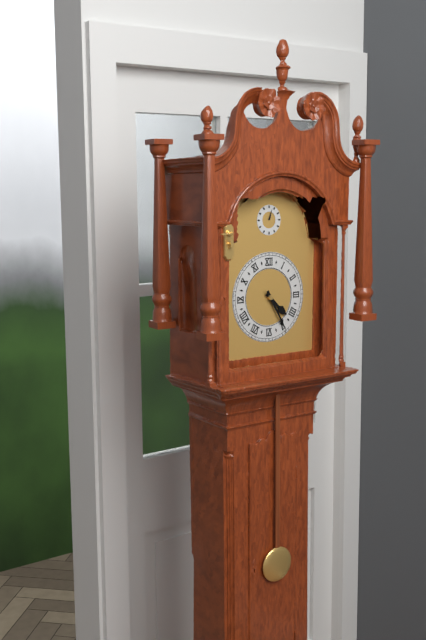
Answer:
{"hour": 4, "minute": 25}
